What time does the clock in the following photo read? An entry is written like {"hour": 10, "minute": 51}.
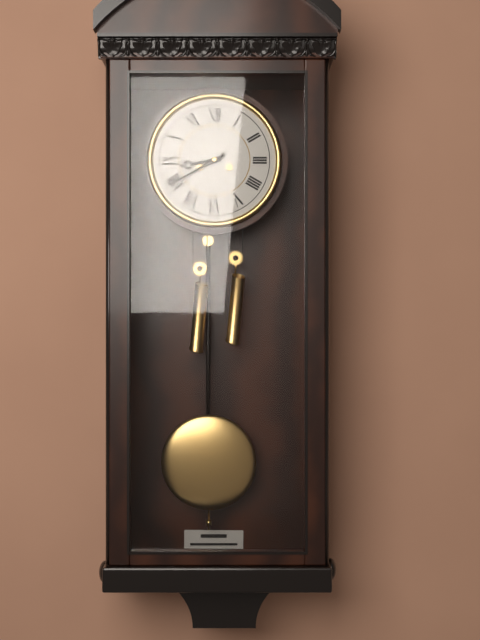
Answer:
{"hour": 8, "minute": 40}
